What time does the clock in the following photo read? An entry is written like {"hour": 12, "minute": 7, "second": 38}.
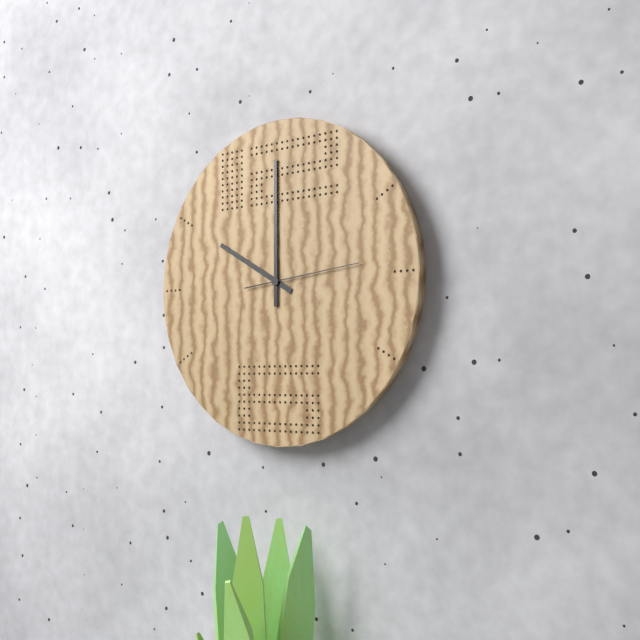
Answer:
{"hour": 10, "minute": 0, "second": 14}
